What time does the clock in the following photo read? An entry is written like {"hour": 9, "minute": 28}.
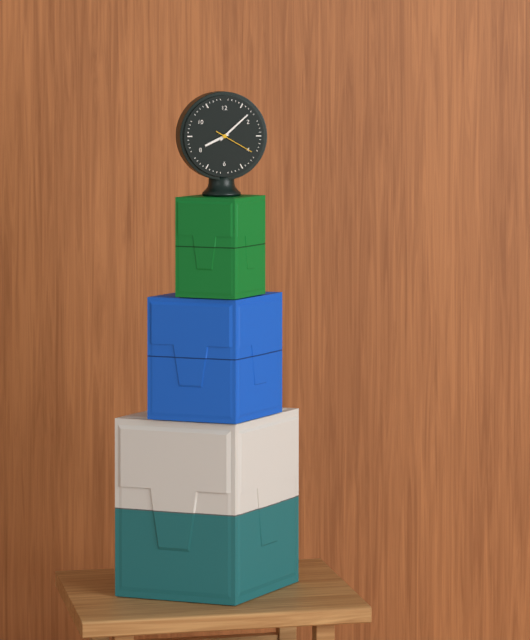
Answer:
{"hour": 8, "minute": 8}
